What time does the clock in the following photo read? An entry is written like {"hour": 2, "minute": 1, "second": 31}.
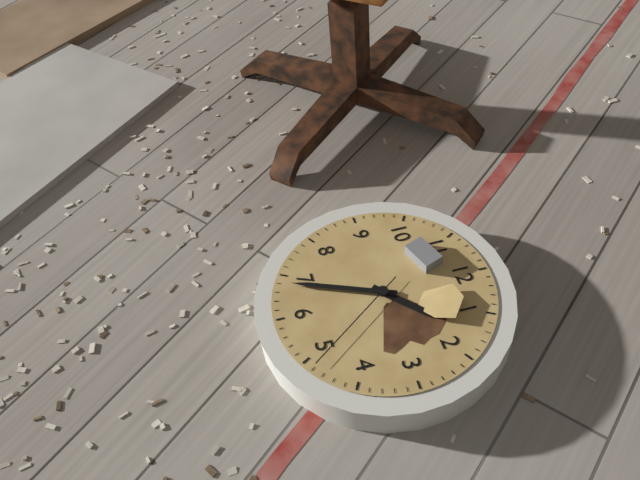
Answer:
{"hour": 1, "minute": 34, "second": 24}
